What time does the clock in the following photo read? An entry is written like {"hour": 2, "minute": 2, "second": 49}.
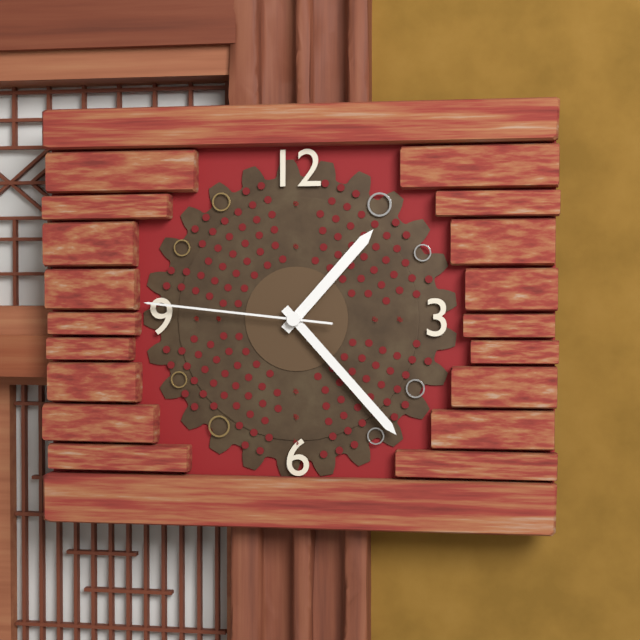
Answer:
{"hour": 1, "minute": 23, "second": 46}
